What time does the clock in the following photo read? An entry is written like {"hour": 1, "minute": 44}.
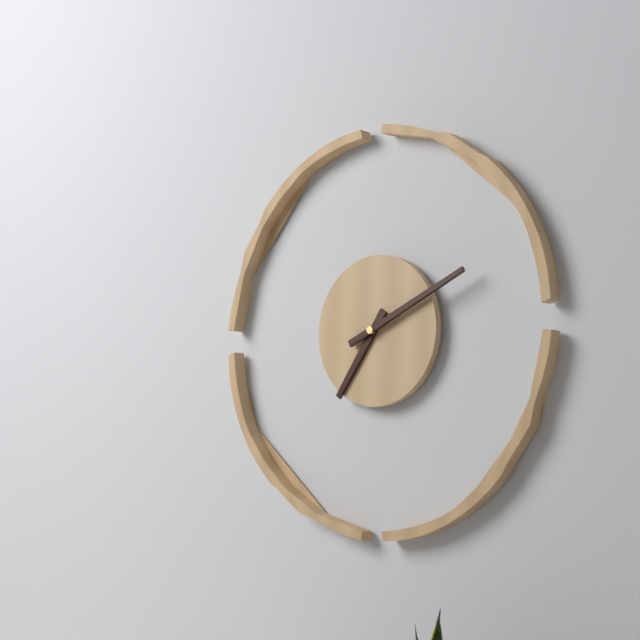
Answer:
{"hour": 7, "minute": 11}
